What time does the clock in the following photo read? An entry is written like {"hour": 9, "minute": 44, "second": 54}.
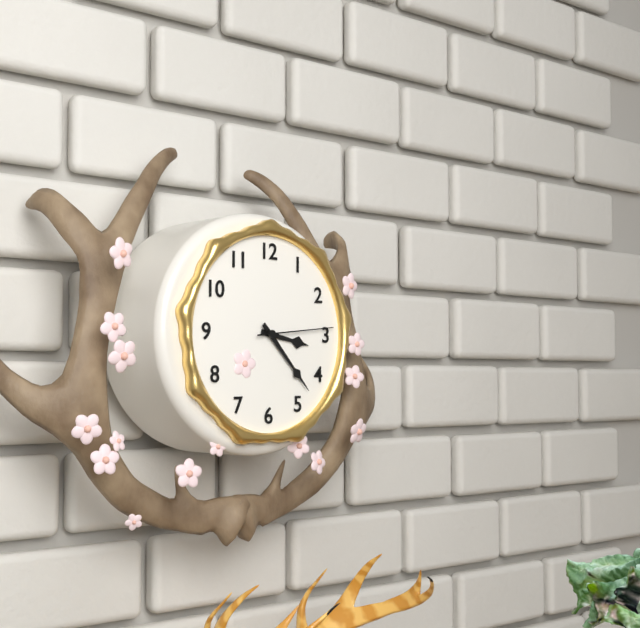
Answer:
{"hour": 3, "minute": 23, "second": 14}
